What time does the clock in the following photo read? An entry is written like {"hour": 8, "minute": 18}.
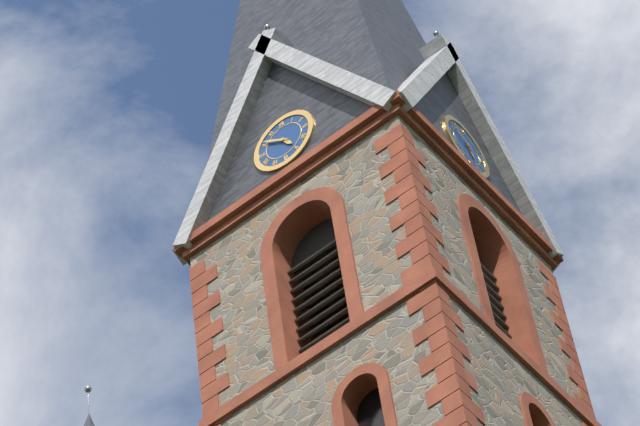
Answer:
{"hour": 4, "minute": 51}
